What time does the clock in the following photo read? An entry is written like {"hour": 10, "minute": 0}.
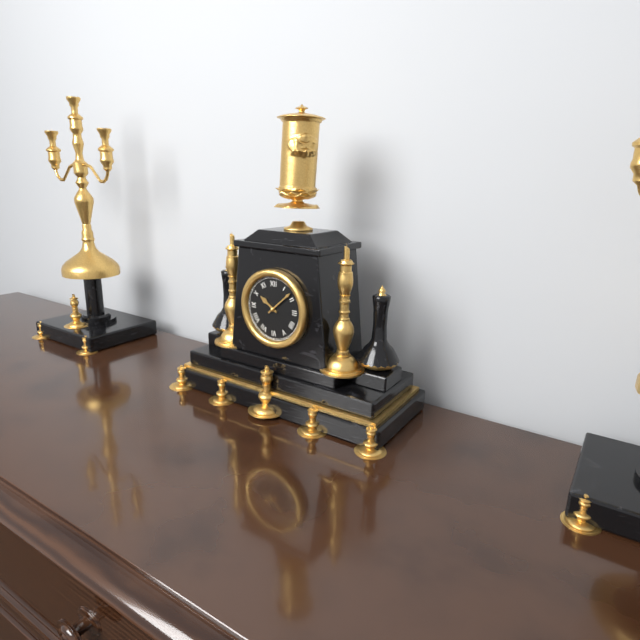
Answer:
{"hour": 10, "minute": 8}
